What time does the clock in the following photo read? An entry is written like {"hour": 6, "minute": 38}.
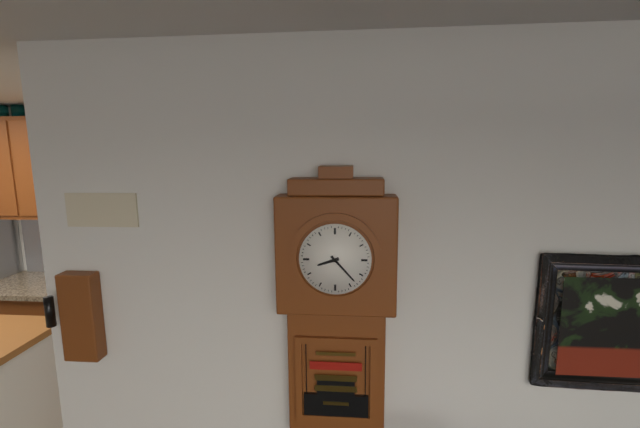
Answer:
{"hour": 8, "minute": 23}
